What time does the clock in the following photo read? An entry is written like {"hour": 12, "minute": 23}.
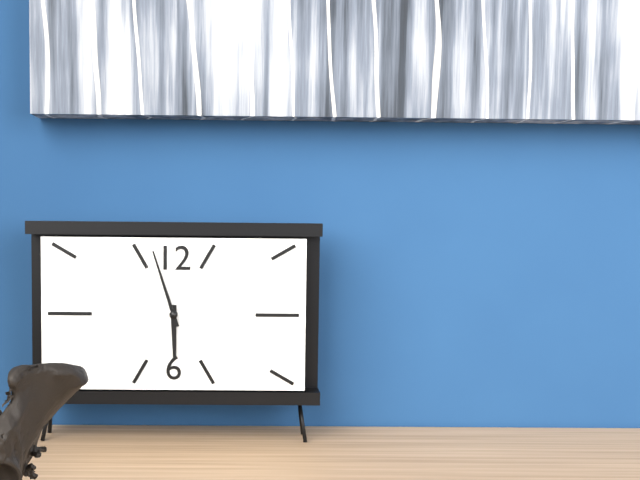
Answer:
{"hour": 5, "minute": 57}
